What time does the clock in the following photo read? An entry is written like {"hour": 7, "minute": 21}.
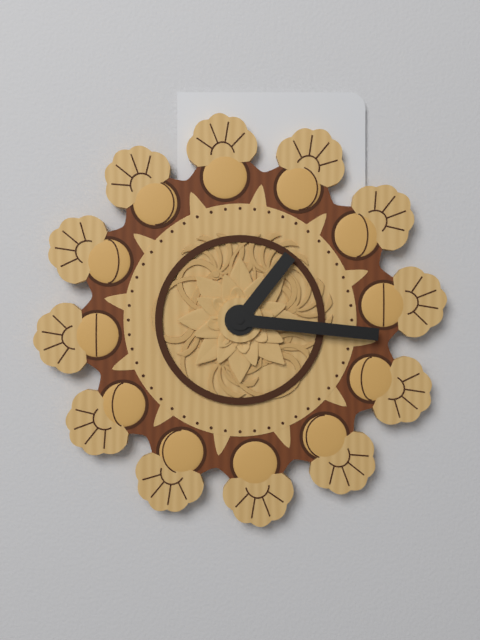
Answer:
{"hour": 1, "minute": 16}
